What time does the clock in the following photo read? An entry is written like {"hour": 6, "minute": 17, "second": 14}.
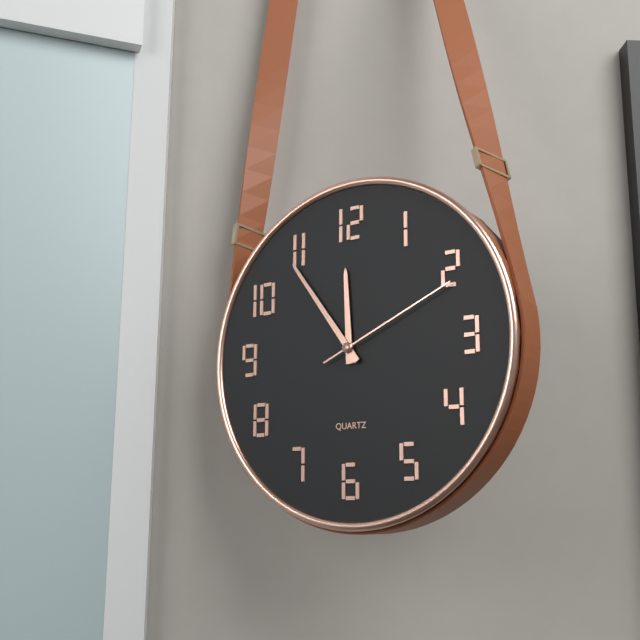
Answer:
{"hour": 11, "minute": 54, "second": 11}
